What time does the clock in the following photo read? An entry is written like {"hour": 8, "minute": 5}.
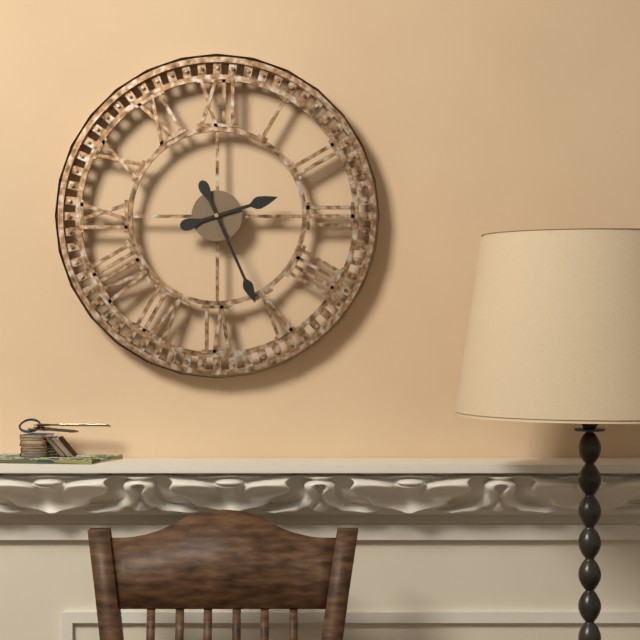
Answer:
{"hour": 2, "minute": 26}
